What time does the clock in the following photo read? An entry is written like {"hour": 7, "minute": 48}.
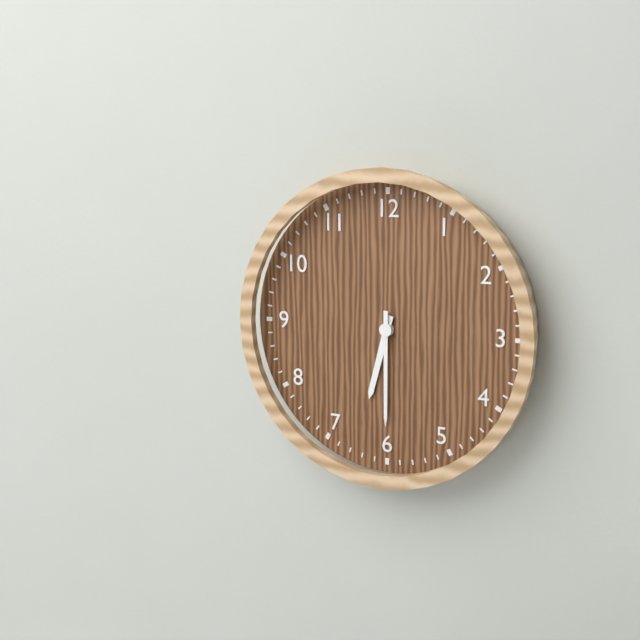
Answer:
{"hour": 6, "minute": 30}
